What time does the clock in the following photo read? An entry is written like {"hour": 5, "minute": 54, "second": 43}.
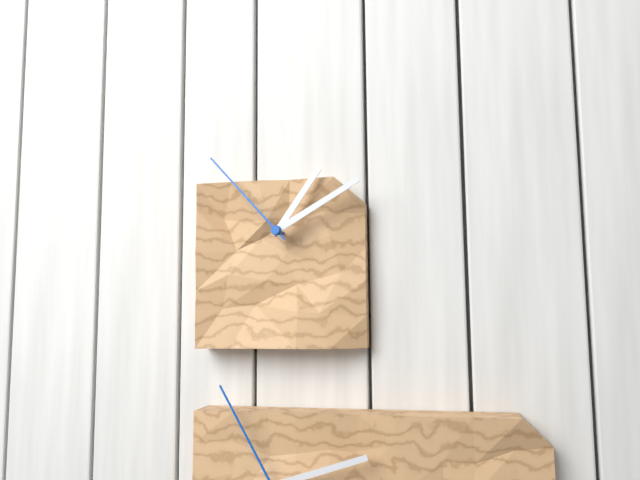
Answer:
{"hour": 1, "minute": 10, "second": 53}
